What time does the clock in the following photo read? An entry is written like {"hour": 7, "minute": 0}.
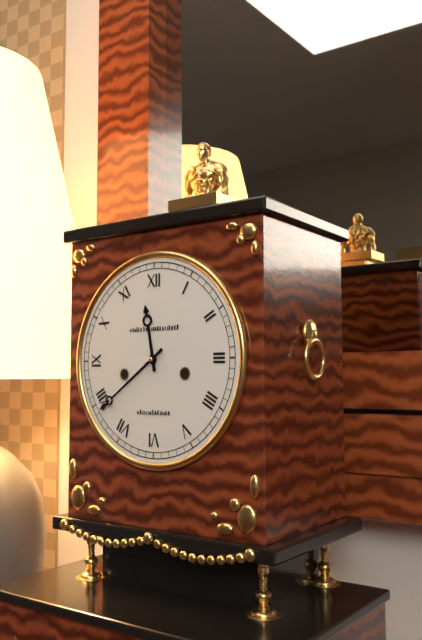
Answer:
{"hour": 11, "minute": 39}
